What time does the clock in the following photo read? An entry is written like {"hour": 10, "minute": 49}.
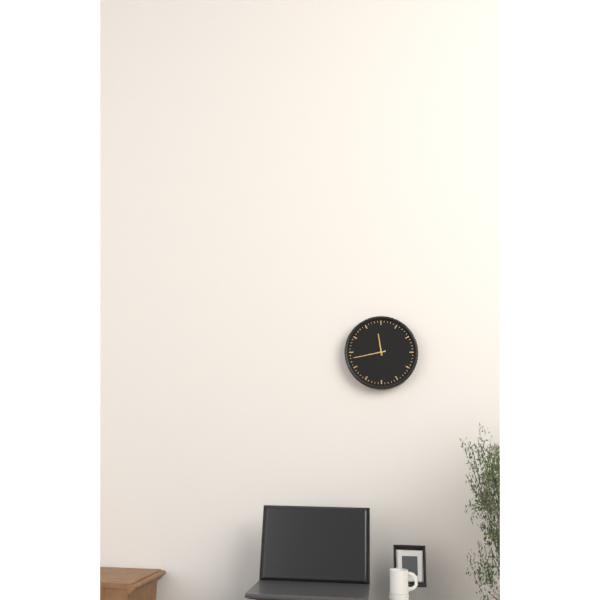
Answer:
{"hour": 11, "minute": 43}
